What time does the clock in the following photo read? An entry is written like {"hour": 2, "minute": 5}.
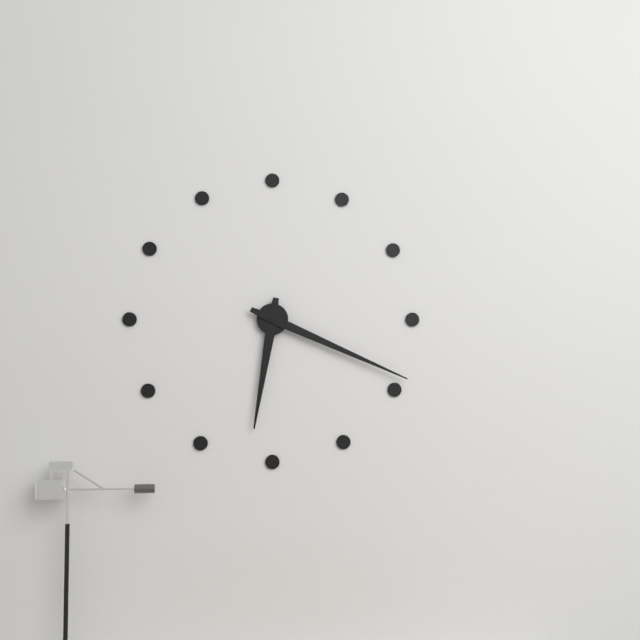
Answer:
{"hour": 6, "minute": 19}
